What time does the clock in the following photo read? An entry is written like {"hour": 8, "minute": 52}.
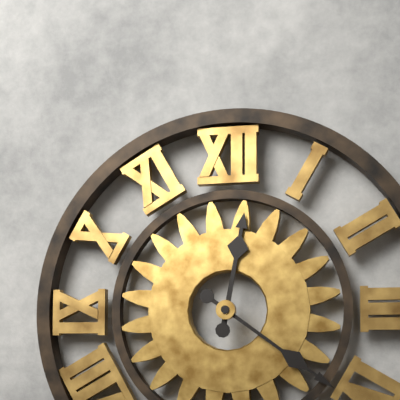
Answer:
{"hour": 12, "minute": 21}
